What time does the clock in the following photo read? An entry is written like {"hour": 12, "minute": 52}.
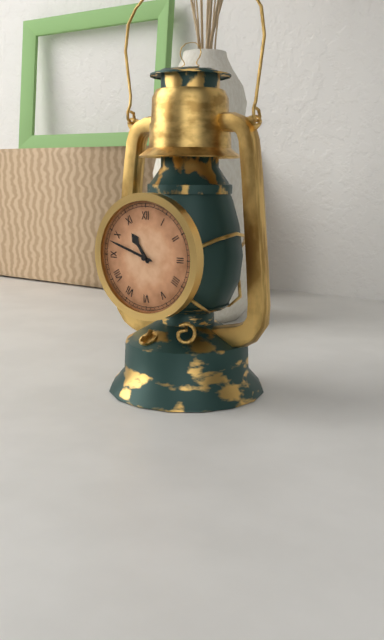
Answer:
{"hour": 10, "minute": 48}
